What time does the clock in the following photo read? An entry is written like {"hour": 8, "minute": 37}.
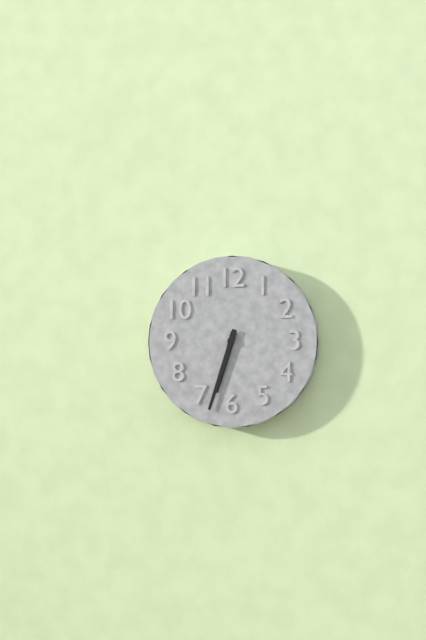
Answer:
{"hour": 6, "minute": 33}
